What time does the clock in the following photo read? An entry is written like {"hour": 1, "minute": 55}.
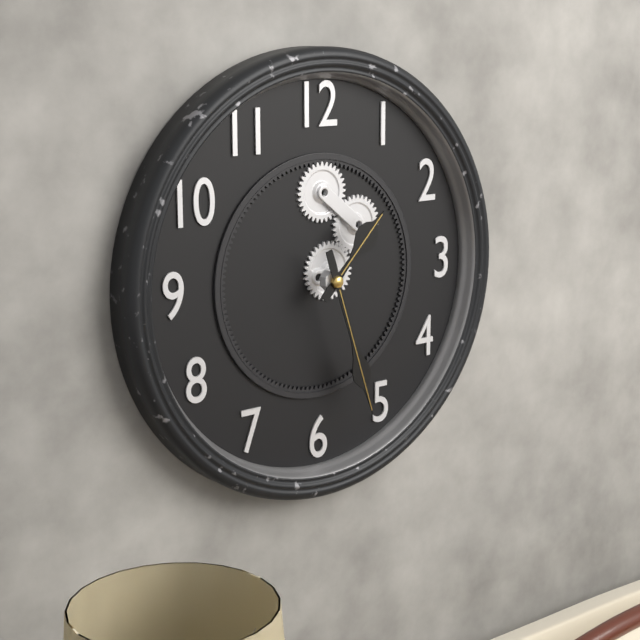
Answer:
{"hour": 1, "minute": 27}
